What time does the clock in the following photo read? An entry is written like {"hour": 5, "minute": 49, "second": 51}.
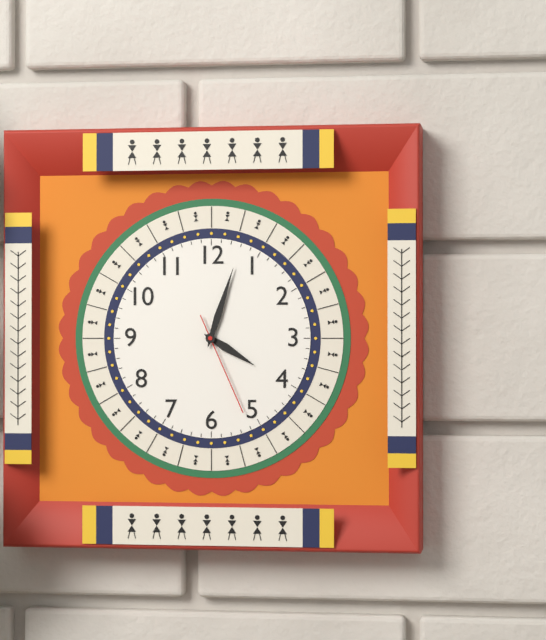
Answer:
{"hour": 4, "minute": 3, "second": 26}
